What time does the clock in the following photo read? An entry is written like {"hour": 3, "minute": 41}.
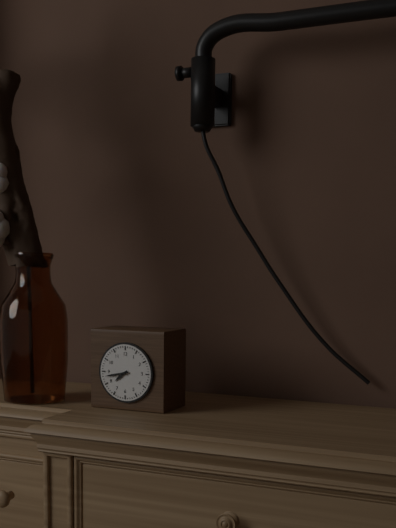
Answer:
{"hour": 7, "minute": 43}
